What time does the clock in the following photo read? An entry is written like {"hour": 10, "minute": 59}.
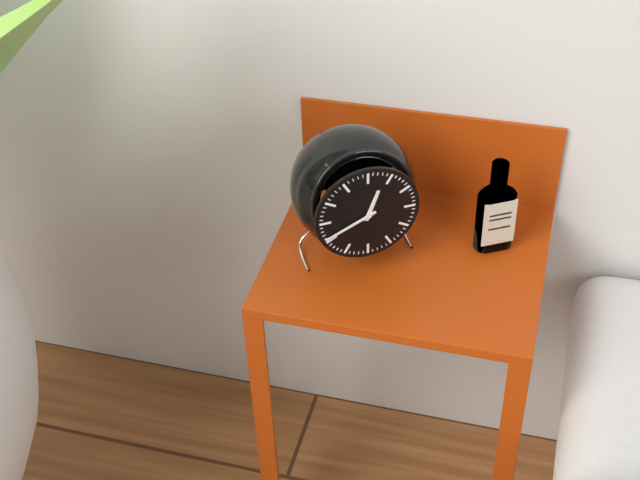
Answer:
{"hour": 12, "minute": 41}
